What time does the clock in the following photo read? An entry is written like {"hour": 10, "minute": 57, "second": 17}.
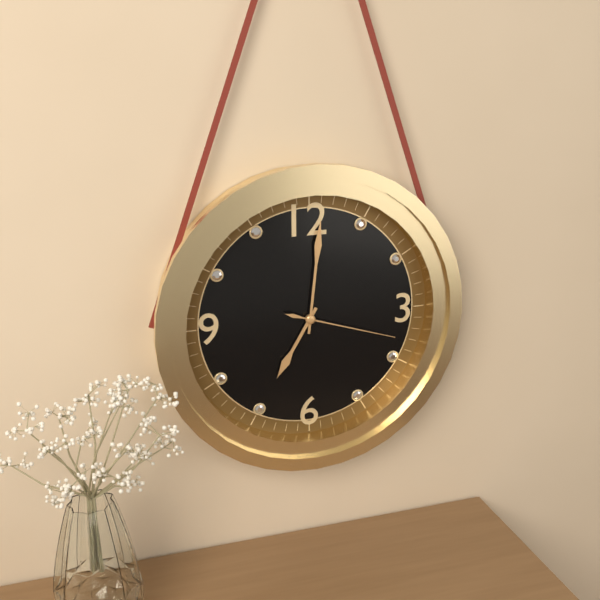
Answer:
{"hour": 7, "minute": 1, "second": 18}
